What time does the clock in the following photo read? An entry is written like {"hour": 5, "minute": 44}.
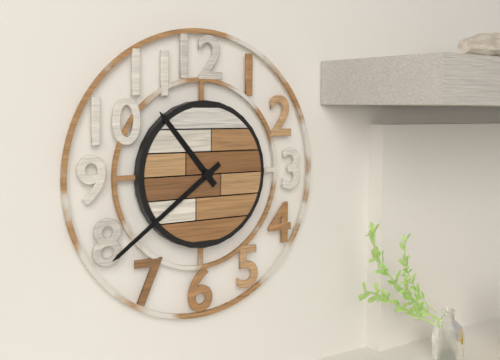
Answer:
{"hour": 10, "minute": 39}
